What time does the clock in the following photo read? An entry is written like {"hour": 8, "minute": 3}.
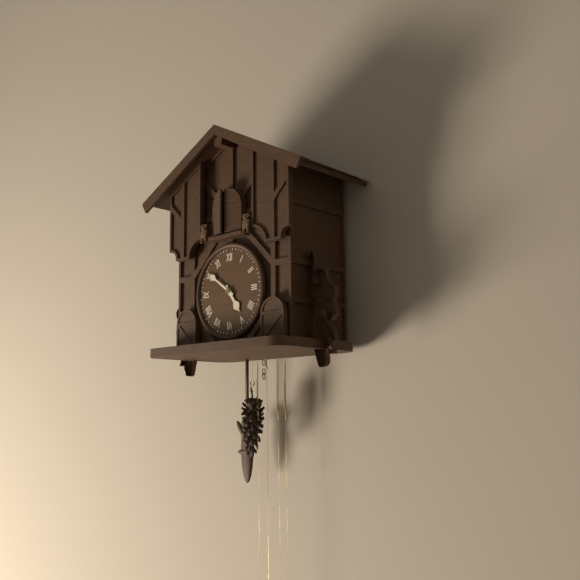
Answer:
{"hour": 4, "minute": 51}
